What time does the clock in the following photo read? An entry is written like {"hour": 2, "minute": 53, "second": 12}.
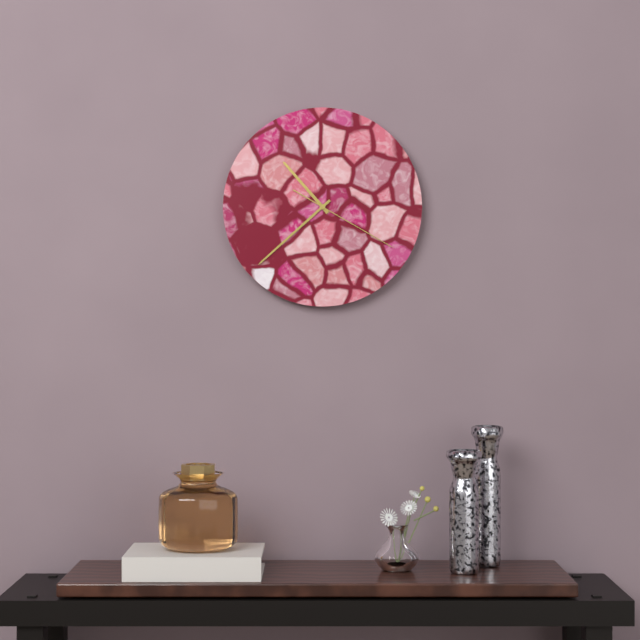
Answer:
{"hour": 10, "minute": 38, "second": 20}
